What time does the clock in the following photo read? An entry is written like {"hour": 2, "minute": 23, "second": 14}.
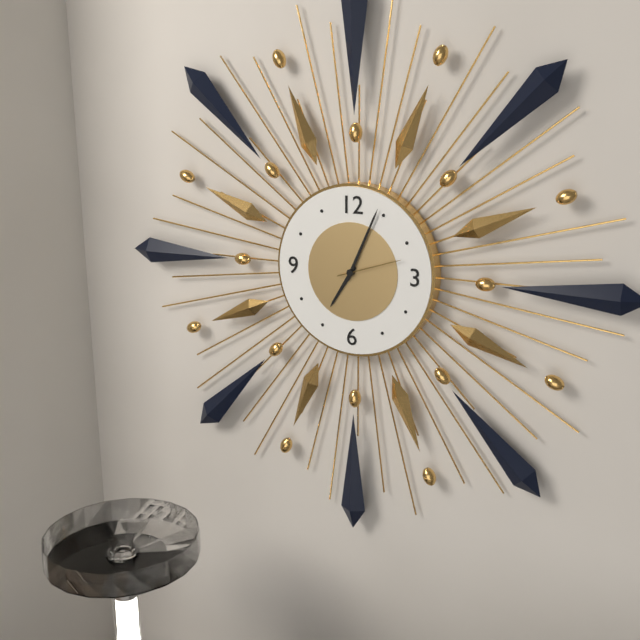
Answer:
{"hour": 7, "minute": 4, "second": 12}
